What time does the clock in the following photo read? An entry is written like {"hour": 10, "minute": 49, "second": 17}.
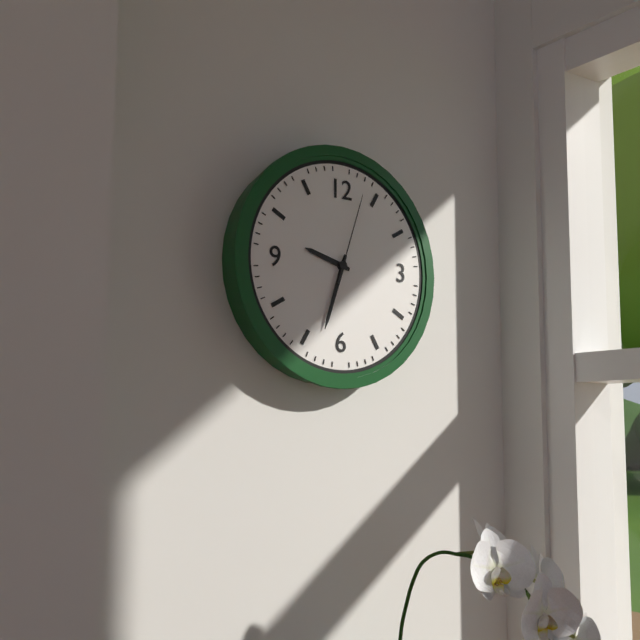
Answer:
{"hour": 9, "minute": 33, "second": 3}
